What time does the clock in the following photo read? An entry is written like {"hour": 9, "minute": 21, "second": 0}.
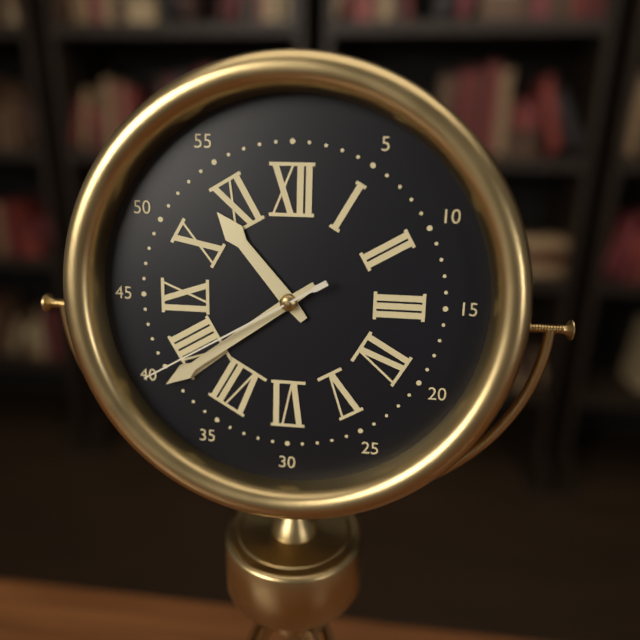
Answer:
{"hour": 10, "minute": 39, "second": 40}
